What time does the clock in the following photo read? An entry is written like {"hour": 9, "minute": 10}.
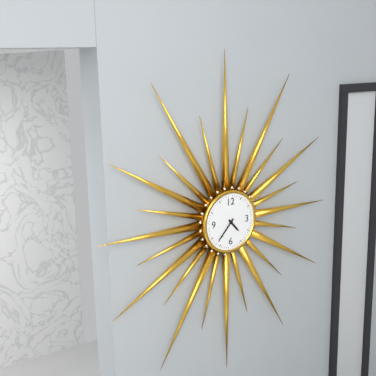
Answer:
{"hour": 4, "minute": 37}
